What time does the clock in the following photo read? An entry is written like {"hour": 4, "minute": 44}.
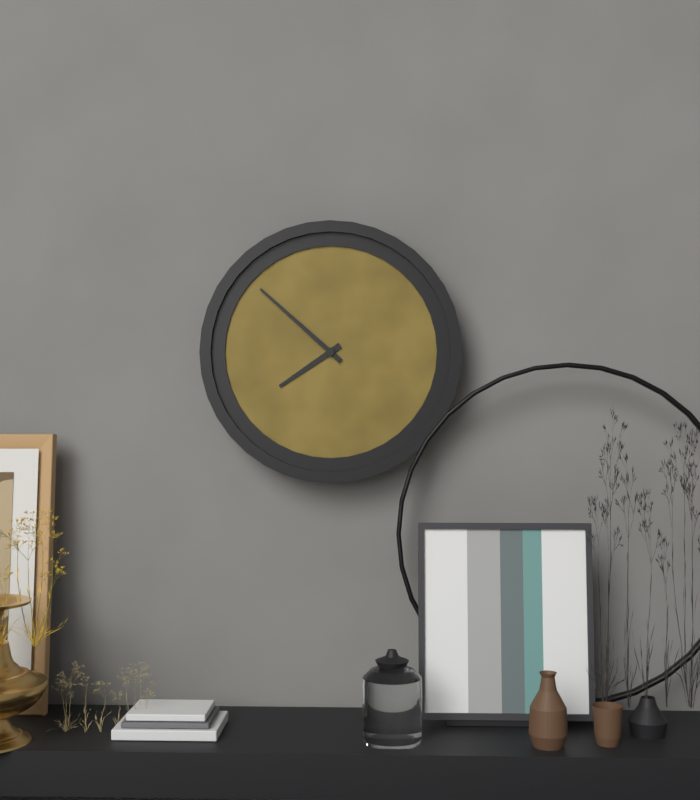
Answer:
{"hour": 7, "minute": 52}
